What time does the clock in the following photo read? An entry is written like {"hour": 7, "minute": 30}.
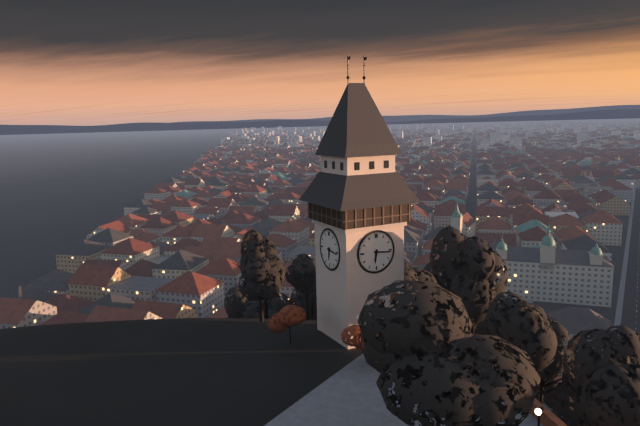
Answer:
{"hour": 6, "minute": 16}
